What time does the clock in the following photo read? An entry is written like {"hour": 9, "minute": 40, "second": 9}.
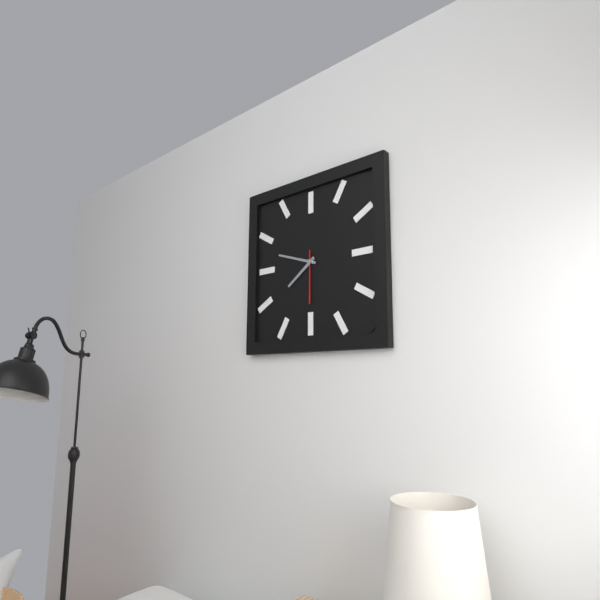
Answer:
{"hour": 7, "minute": 48, "second": 30}
